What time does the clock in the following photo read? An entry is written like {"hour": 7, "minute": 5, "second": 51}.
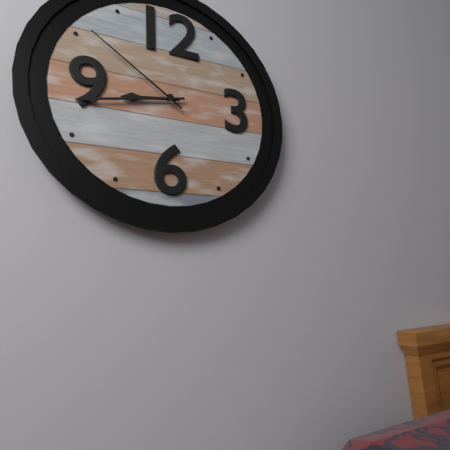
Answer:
{"hour": 8, "minute": 43, "second": 51}
